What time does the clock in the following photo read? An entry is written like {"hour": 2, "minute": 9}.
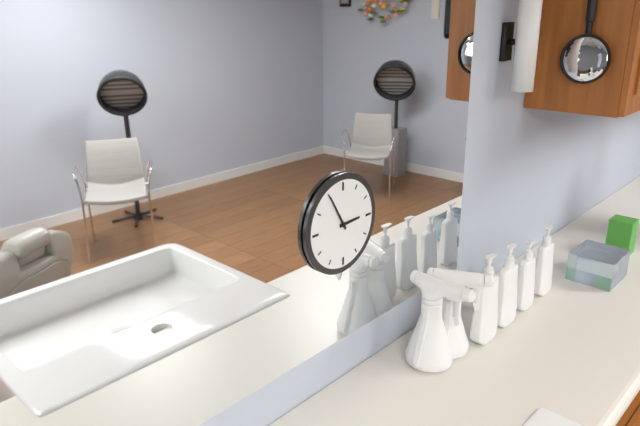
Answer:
{"hour": 2, "minute": 55}
